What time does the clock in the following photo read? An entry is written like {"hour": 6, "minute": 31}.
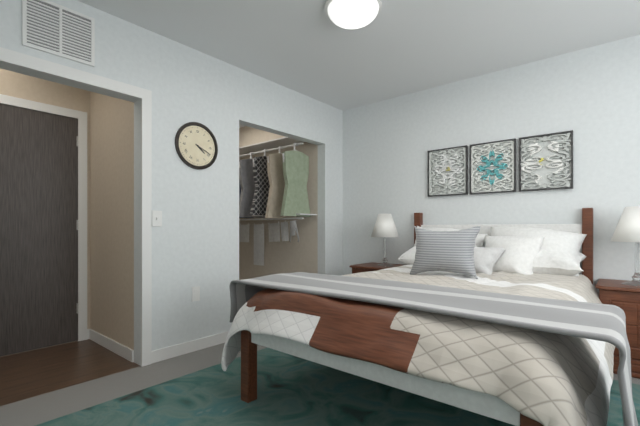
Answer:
{"hour": 4, "minute": 19}
